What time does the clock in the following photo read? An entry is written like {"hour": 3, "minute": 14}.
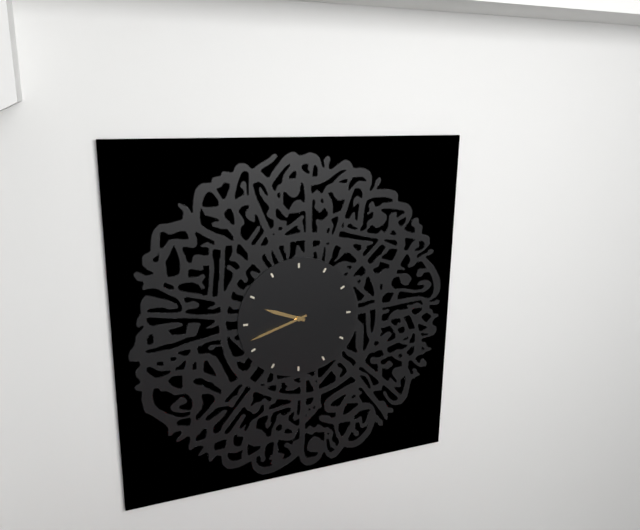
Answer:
{"hour": 9, "minute": 42}
